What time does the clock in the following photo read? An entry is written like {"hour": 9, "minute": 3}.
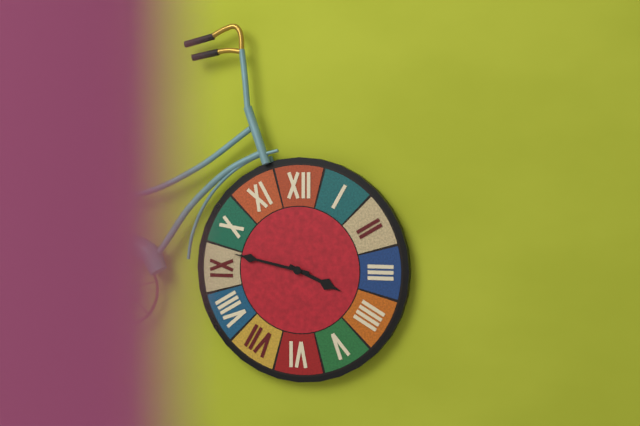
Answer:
{"hour": 3, "minute": 47}
